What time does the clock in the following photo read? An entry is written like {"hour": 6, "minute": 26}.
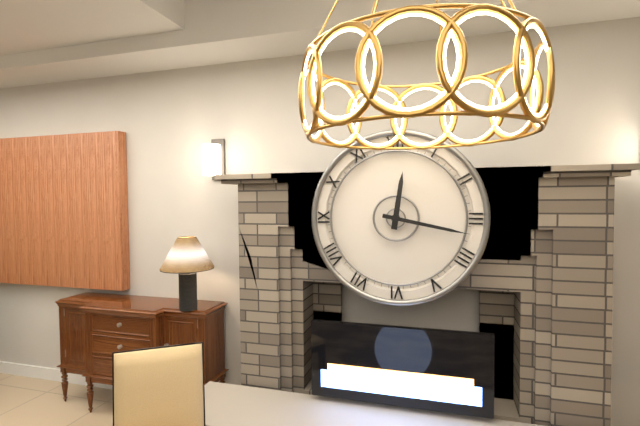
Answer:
{"hour": 12, "minute": 17}
